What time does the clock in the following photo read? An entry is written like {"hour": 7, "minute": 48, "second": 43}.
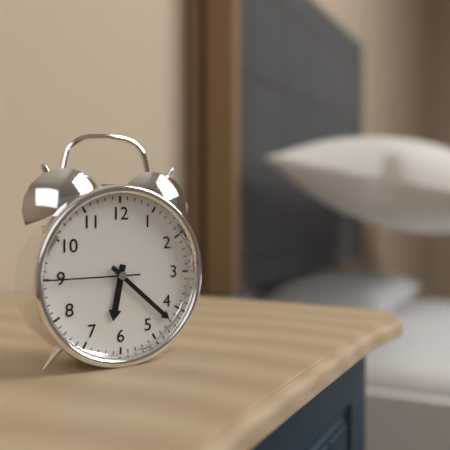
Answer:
{"hour": 6, "minute": 22, "second": 45}
